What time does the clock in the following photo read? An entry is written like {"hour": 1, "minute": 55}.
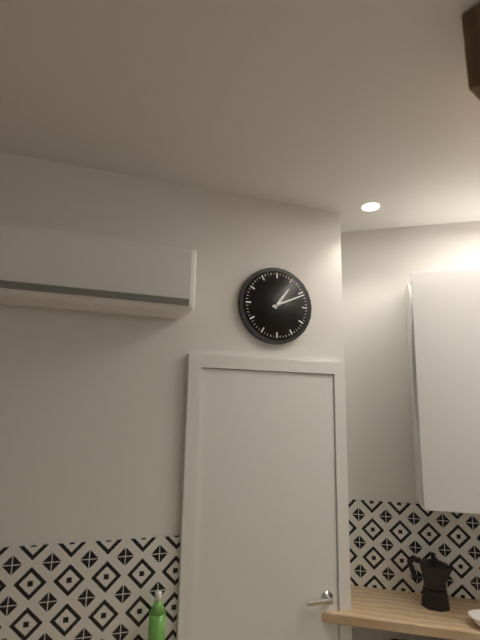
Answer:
{"hour": 1, "minute": 11}
